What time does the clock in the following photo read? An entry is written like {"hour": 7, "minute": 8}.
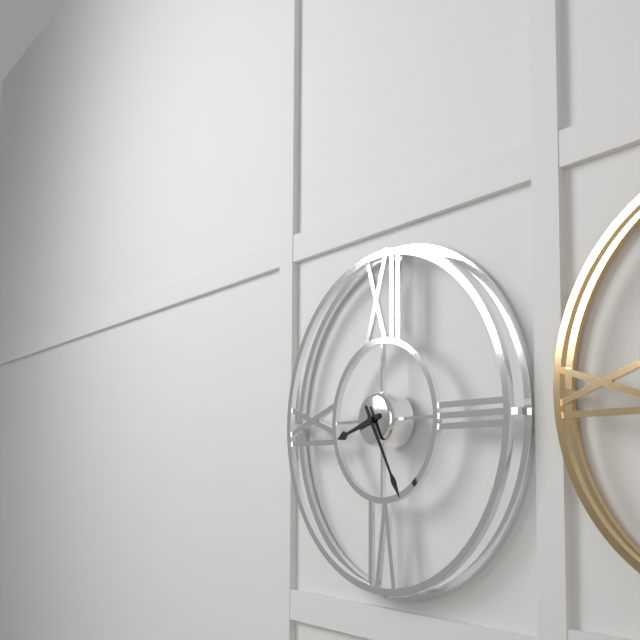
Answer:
{"hour": 8, "minute": 25}
